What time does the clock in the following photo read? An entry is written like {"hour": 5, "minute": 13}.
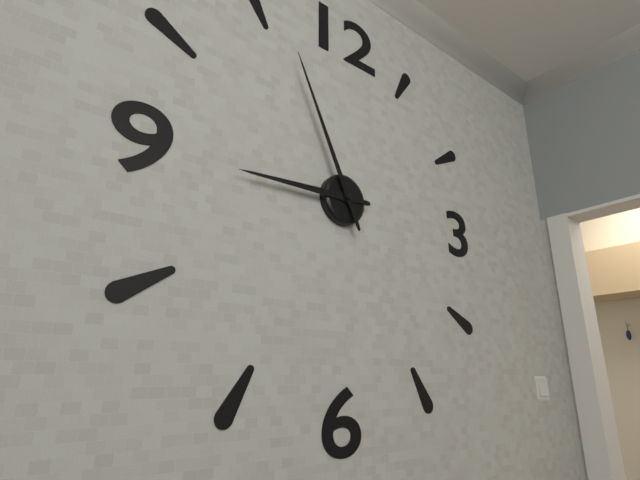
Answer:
{"hour": 8, "minute": 56}
